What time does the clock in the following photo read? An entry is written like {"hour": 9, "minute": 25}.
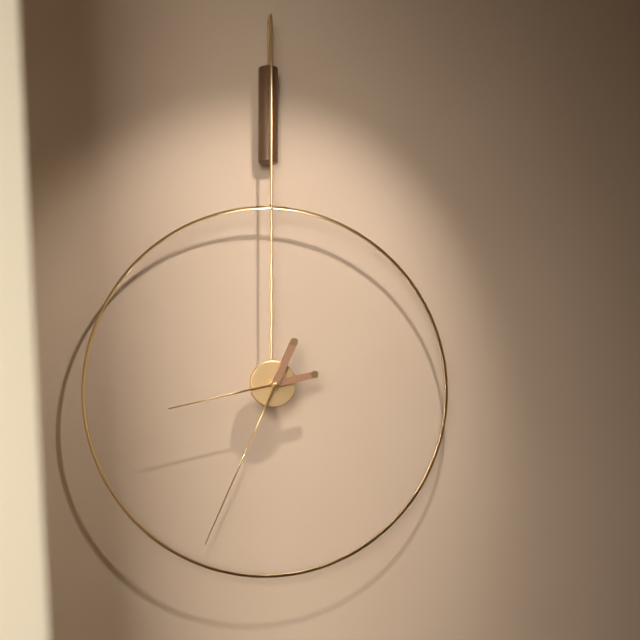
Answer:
{"hour": 8, "minute": 34}
